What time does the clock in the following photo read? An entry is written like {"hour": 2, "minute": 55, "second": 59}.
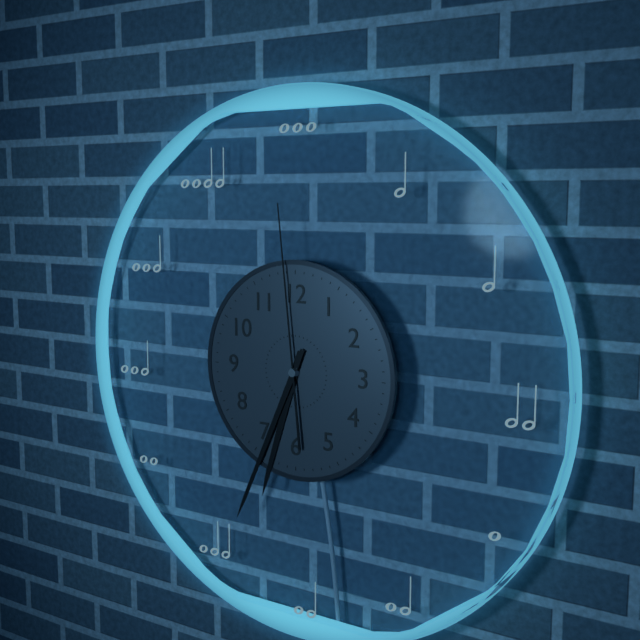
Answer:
{"hour": 6, "minute": 34, "second": 59}
